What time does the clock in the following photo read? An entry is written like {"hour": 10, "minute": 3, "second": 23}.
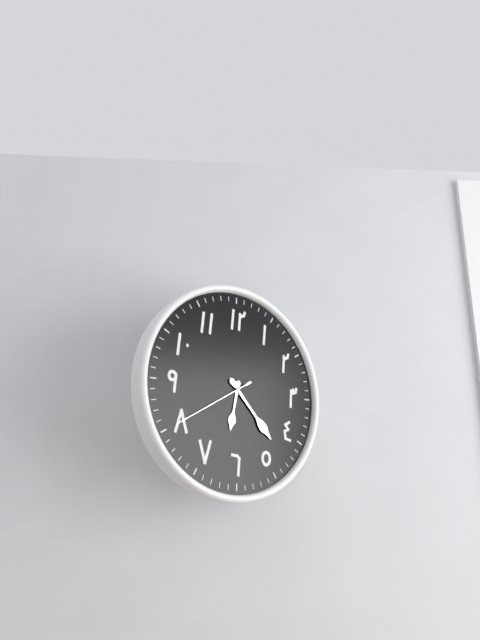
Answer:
{"hour": 6, "minute": 23, "second": 40}
